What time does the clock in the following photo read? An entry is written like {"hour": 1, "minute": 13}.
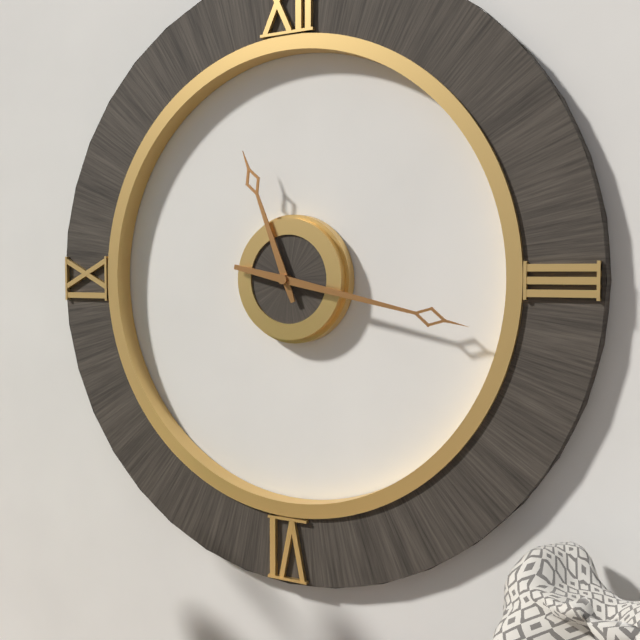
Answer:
{"hour": 11, "minute": 17}
